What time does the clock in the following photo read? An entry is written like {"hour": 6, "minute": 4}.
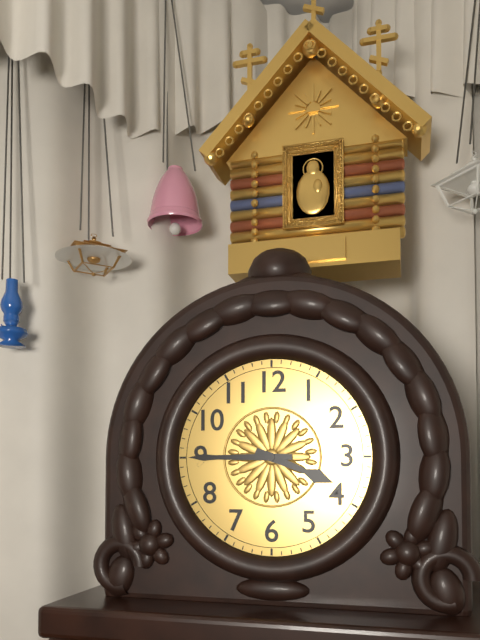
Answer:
{"hour": 3, "minute": 45}
